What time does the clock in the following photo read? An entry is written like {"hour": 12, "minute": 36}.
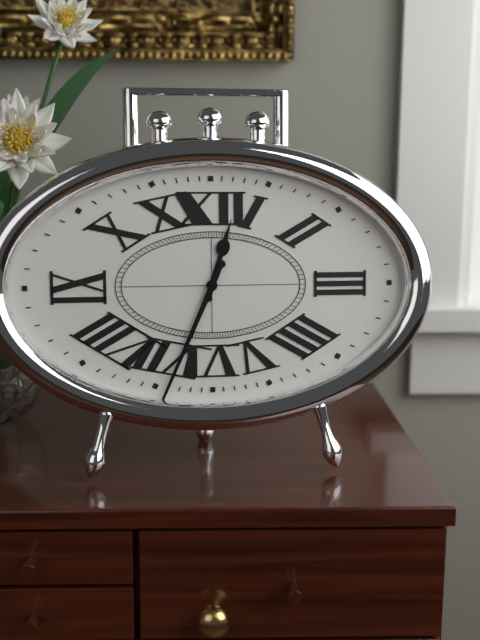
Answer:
{"hour": 12, "minute": 34}
